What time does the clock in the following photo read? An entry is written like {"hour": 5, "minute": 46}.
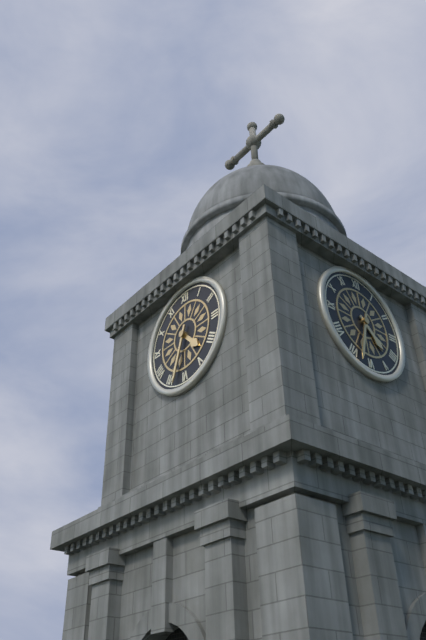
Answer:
{"hour": 4, "minute": 33}
